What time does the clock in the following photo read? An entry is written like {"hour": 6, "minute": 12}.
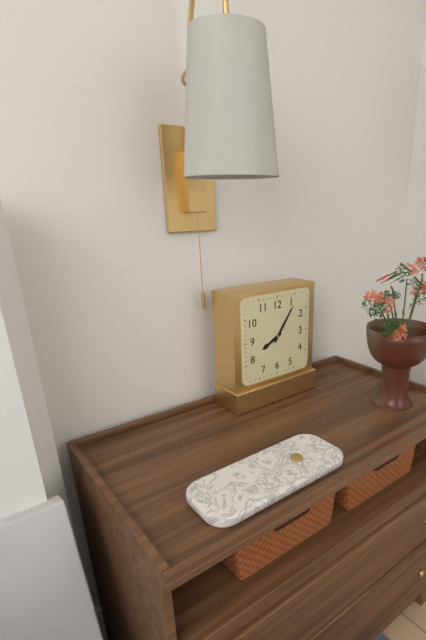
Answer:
{"hour": 8, "minute": 6}
